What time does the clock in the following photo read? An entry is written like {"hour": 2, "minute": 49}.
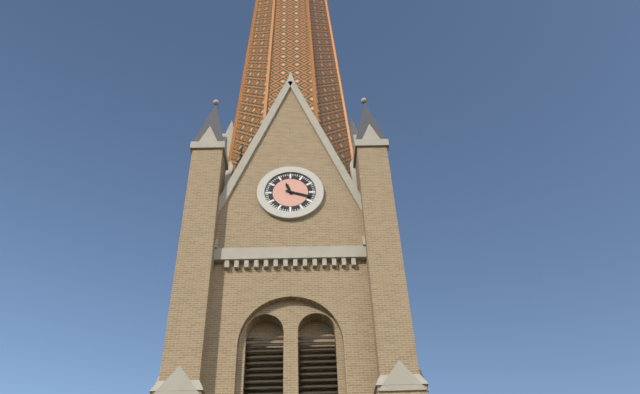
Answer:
{"hour": 11, "minute": 18}
